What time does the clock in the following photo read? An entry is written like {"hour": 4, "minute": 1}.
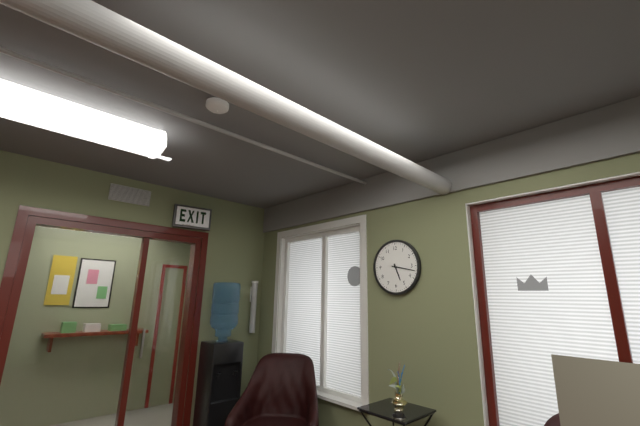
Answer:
{"hour": 5, "minute": 17}
